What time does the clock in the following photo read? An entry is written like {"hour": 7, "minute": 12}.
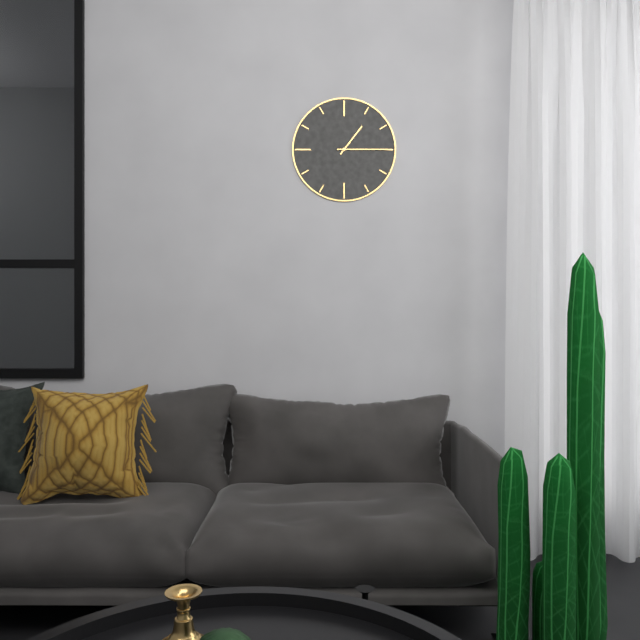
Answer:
{"hour": 1, "minute": 15}
